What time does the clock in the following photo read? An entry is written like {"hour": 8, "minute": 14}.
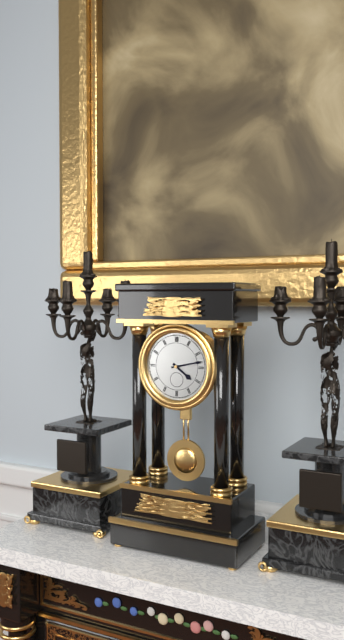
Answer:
{"hour": 4, "minute": 13}
